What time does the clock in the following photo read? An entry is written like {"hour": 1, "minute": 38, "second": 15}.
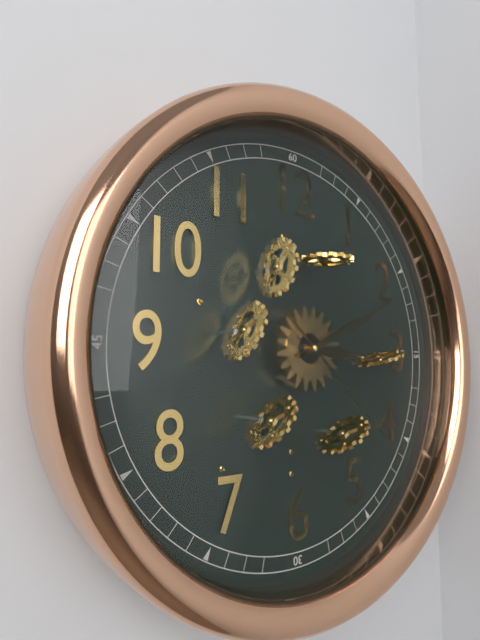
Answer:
{"hour": 3, "minute": 11, "second": 22}
